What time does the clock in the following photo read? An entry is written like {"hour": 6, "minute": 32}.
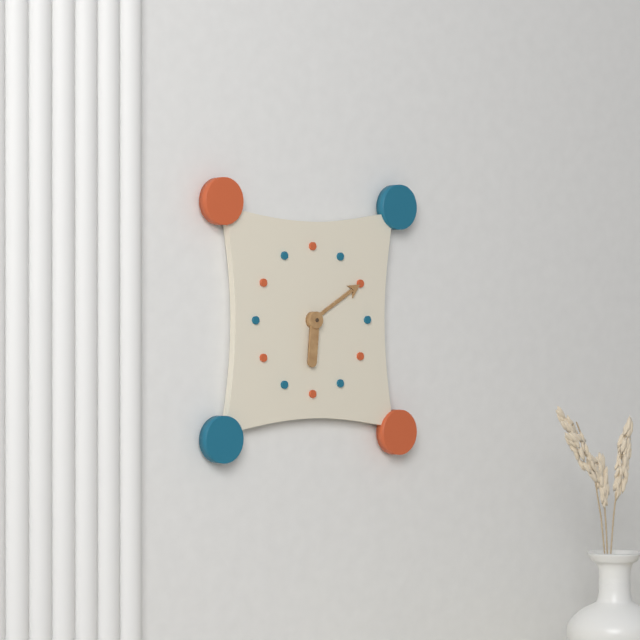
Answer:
{"hour": 6, "minute": 10}
